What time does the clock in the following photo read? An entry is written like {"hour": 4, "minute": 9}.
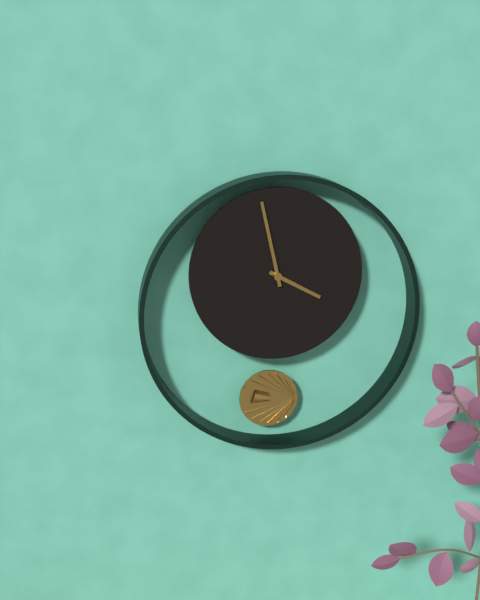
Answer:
{"hour": 3, "minute": 58}
